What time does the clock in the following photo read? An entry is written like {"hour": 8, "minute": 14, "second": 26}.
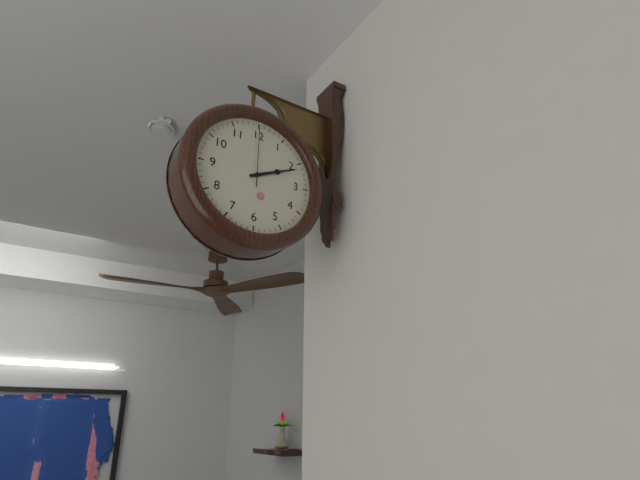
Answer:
{"hour": 2, "minute": 11, "second": 0}
